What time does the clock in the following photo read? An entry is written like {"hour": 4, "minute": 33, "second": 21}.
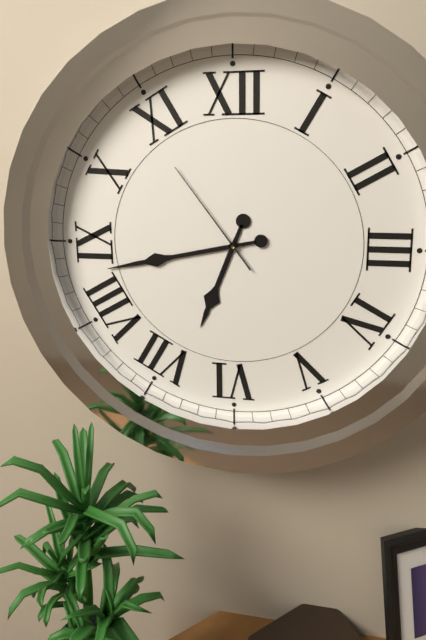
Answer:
{"hour": 6, "minute": 43, "second": 54}
